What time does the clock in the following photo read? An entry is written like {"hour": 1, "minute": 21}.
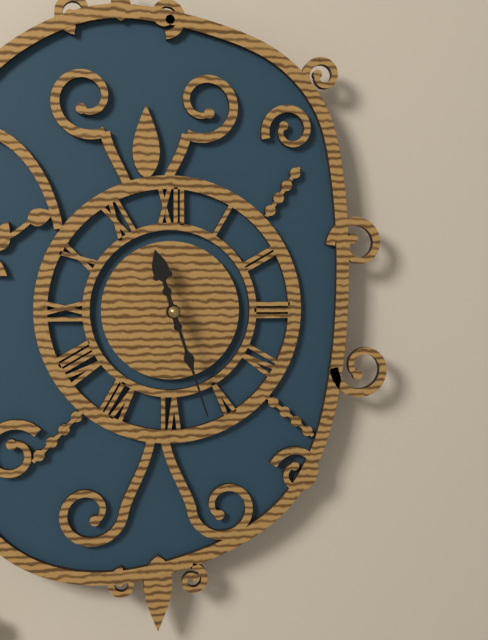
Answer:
{"hour": 11, "minute": 27}
